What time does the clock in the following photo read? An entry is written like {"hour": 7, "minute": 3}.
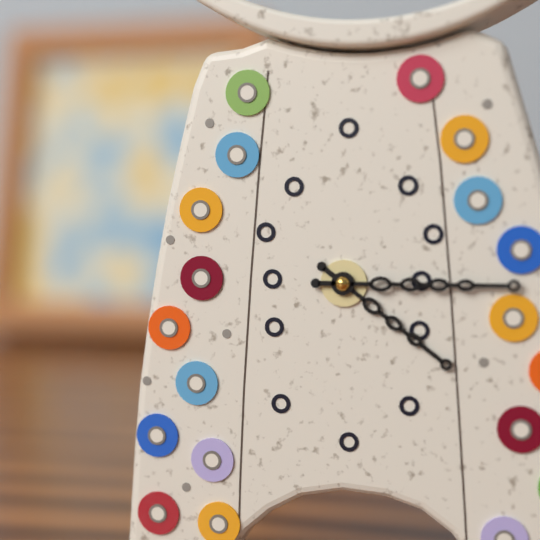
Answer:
{"hour": 4, "minute": 15}
